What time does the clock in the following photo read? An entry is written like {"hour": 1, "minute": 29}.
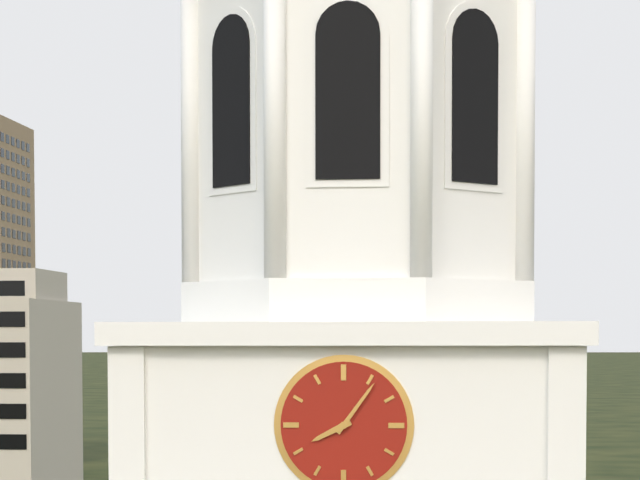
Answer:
{"hour": 8, "minute": 6}
